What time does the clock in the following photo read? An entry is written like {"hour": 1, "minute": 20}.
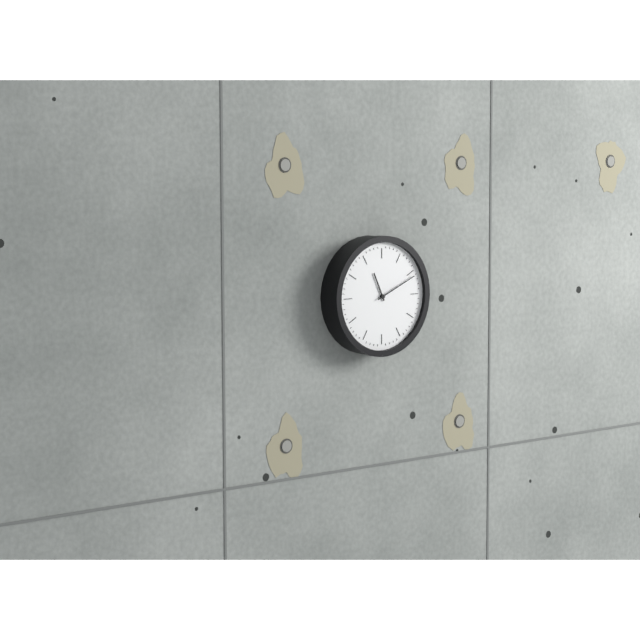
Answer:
{"hour": 11, "minute": 11}
